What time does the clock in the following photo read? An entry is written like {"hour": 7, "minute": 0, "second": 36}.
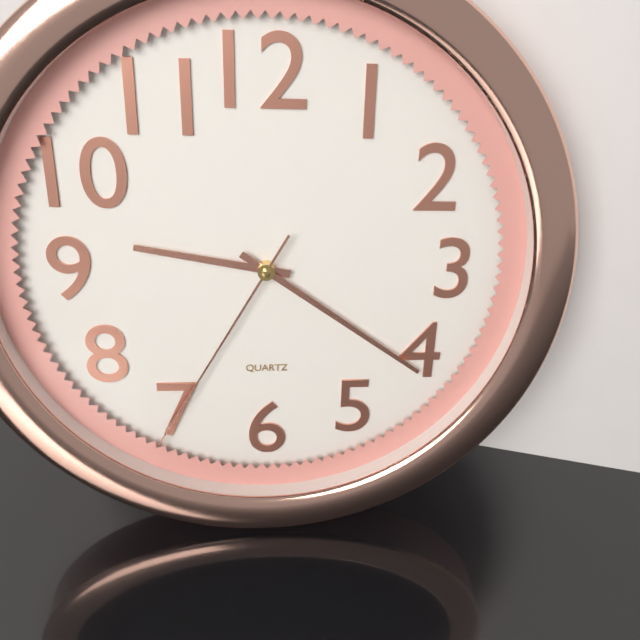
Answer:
{"hour": 9, "minute": 21, "second": 35}
